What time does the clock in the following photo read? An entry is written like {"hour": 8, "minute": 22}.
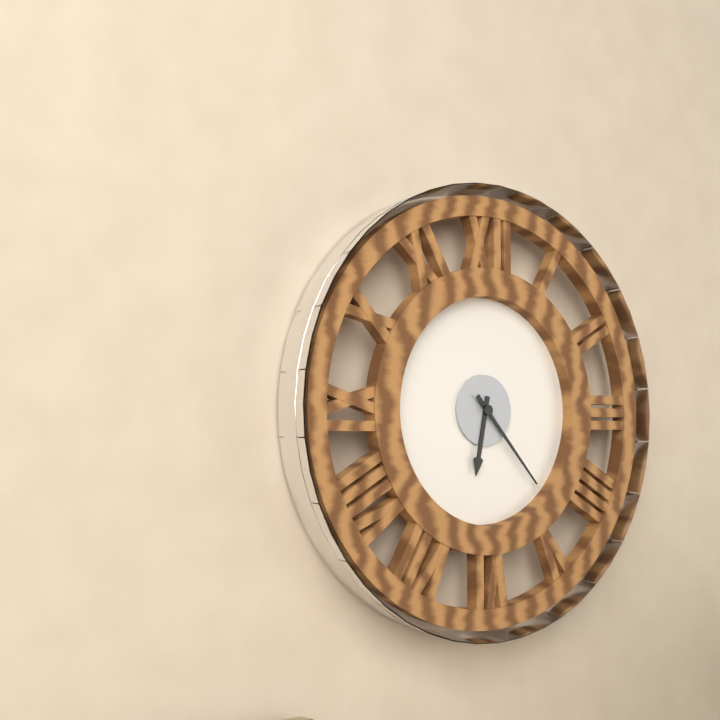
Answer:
{"hour": 6, "minute": 23}
